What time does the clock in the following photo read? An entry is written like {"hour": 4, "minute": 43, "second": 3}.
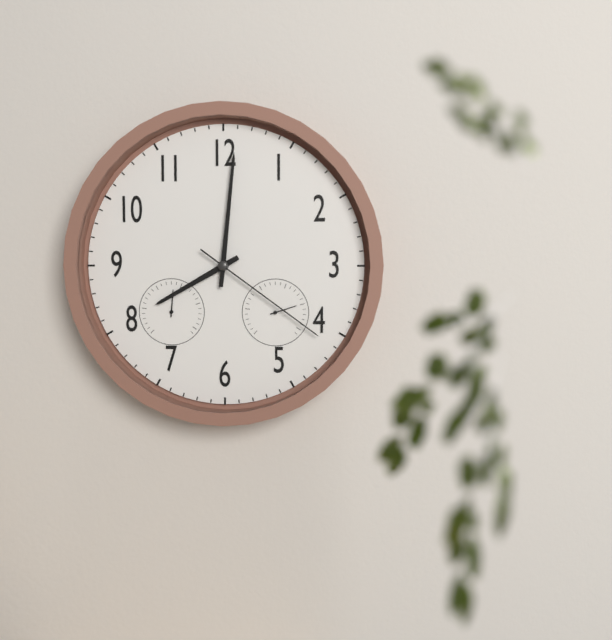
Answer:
{"hour": 8, "minute": 1, "second": 21}
